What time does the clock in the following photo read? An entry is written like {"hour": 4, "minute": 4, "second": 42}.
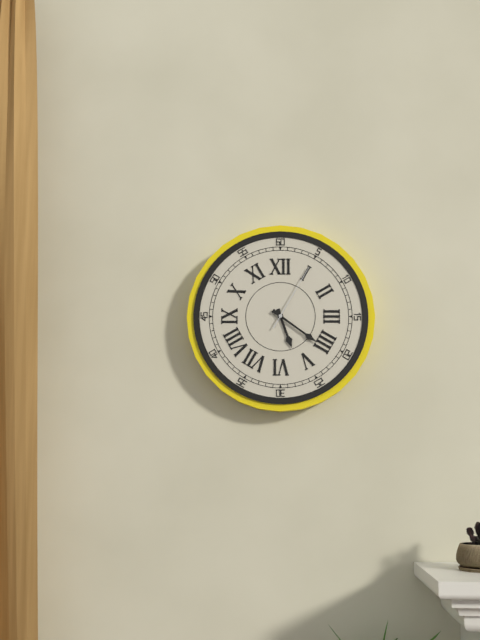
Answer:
{"hour": 5, "minute": 21, "second": 5}
